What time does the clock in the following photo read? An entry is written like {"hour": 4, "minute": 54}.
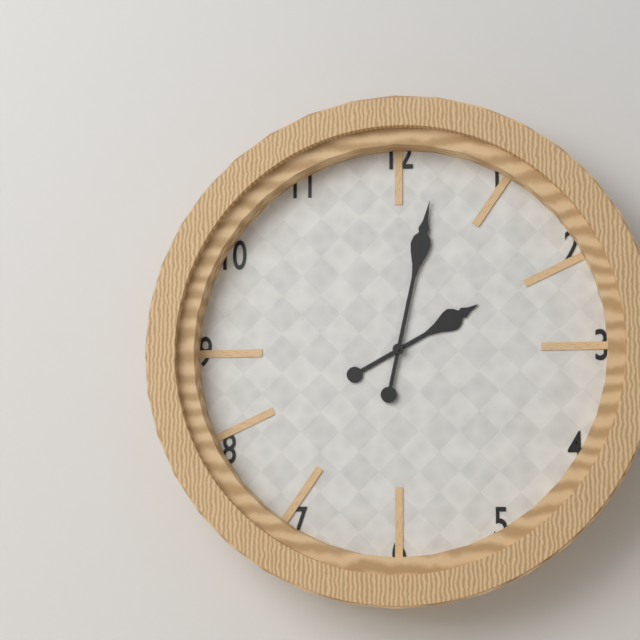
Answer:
{"hour": 2, "minute": 2}
